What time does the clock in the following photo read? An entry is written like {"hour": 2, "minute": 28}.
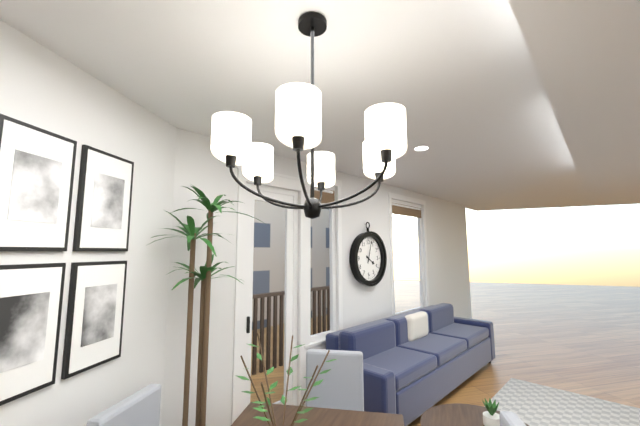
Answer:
{"hour": 4, "minute": 3}
